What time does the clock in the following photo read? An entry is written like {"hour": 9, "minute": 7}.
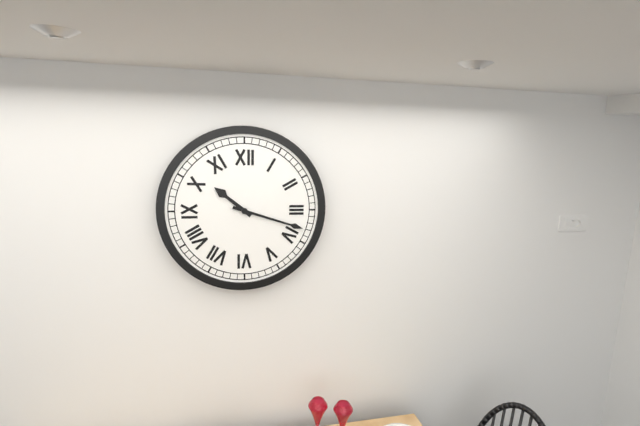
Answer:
{"hour": 10, "minute": 18}
